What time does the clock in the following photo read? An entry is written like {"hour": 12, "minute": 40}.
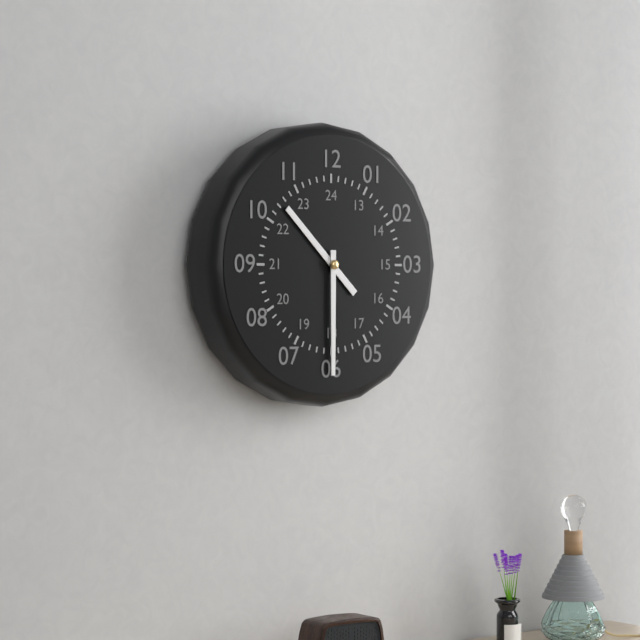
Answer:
{"hour": 10, "minute": 30}
